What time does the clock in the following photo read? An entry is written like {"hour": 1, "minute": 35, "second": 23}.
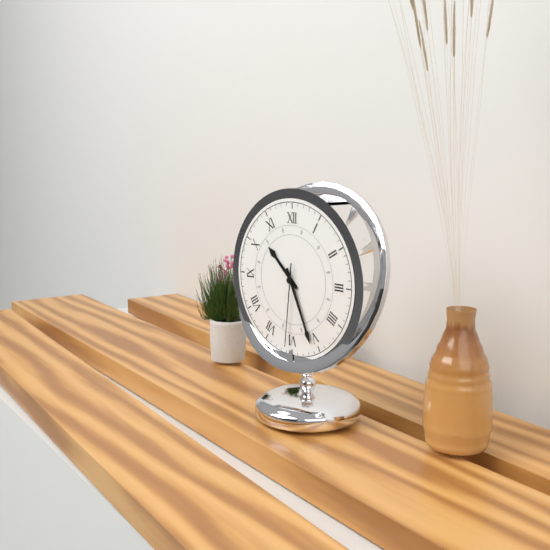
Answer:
{"hour": 10, "minute": 26, "second": 31}
